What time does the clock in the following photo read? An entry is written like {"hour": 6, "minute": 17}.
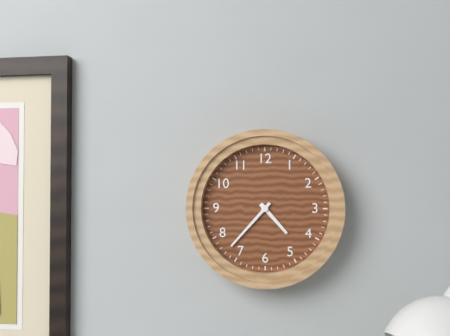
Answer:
{"hour": 4, "minute": 37}
